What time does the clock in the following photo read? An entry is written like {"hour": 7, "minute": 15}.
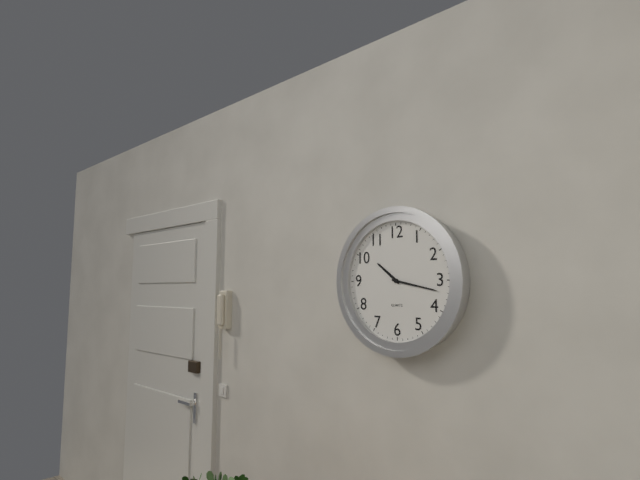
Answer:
{"hour": 10, "minute": 17}
